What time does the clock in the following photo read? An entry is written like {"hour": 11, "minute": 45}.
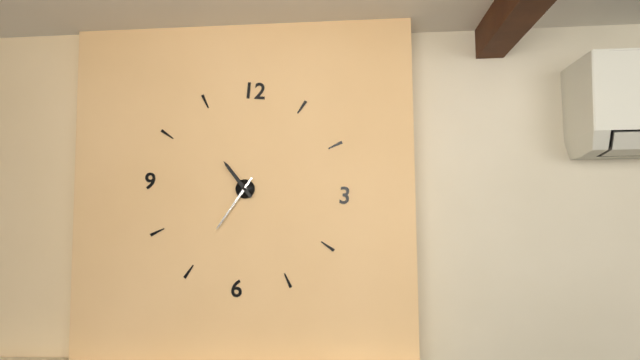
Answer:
{"hour": 10, "minute": 35}
